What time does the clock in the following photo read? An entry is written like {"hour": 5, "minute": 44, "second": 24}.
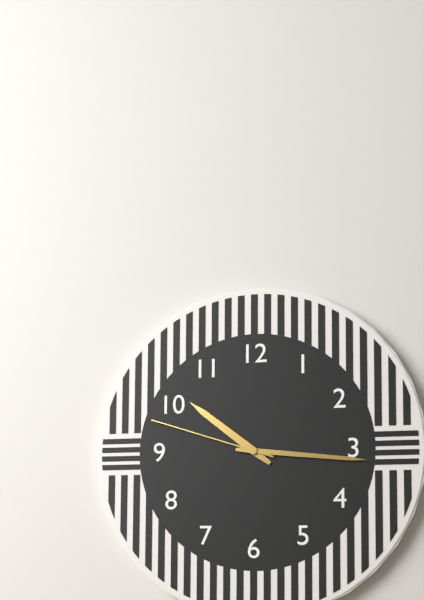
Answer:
{"hour": 10, "minute": 16, "second": 48}
